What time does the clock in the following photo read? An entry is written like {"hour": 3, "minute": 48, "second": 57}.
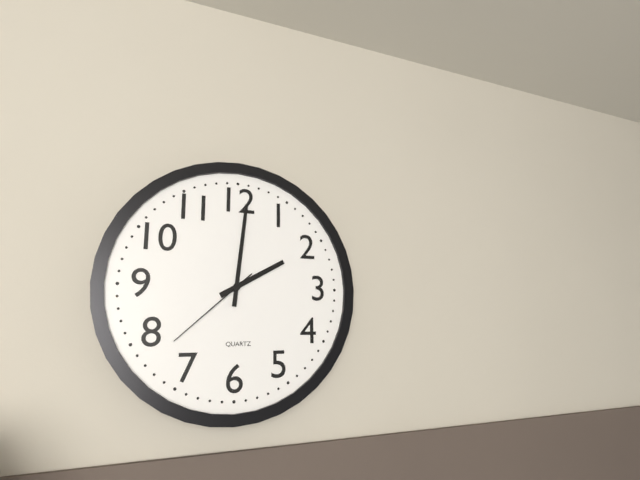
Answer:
{"hour": 2, "minute": 1, "second": 38}
